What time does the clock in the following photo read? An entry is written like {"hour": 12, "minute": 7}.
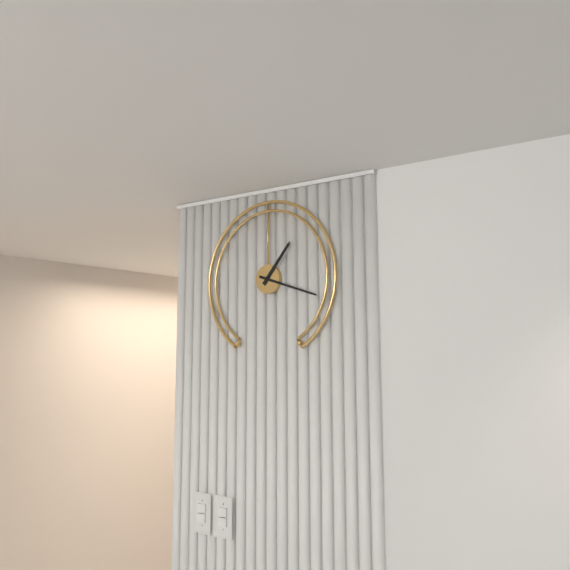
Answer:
{"hour": 1, "minute": 18}
